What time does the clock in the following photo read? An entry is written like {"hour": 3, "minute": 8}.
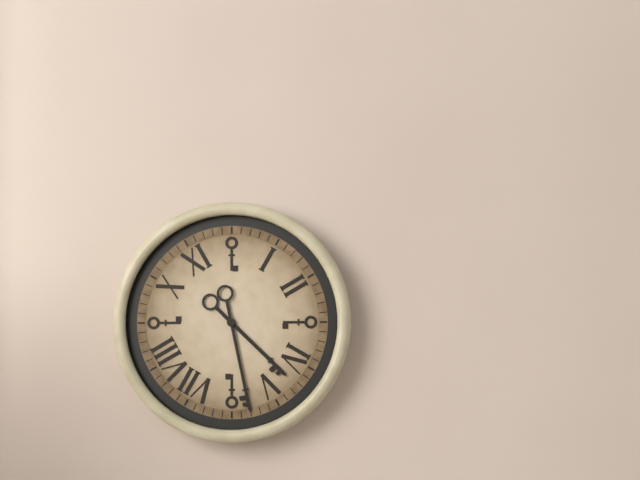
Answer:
{"hour": 4, "minute": 28}
